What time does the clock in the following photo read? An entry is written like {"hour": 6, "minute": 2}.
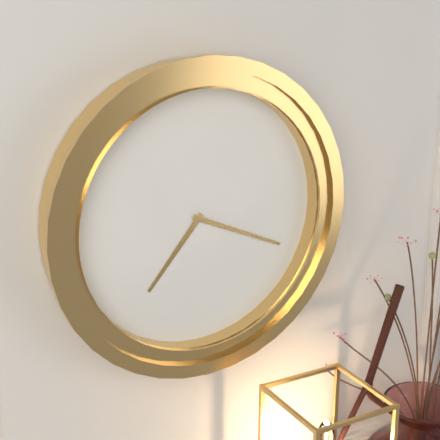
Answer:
{"hour": 7, "minute": 19}
